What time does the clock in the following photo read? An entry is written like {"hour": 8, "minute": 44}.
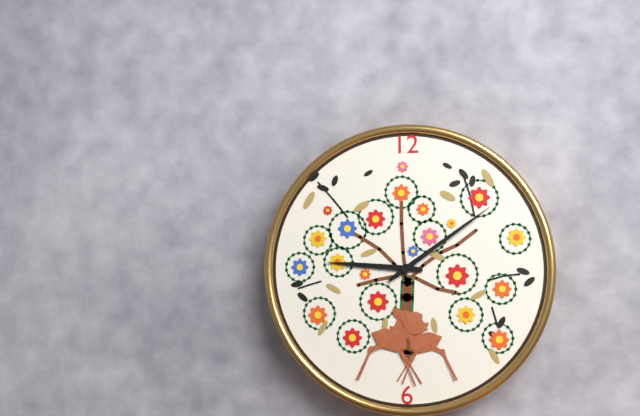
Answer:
{"hour": 9, "minute": 9}
